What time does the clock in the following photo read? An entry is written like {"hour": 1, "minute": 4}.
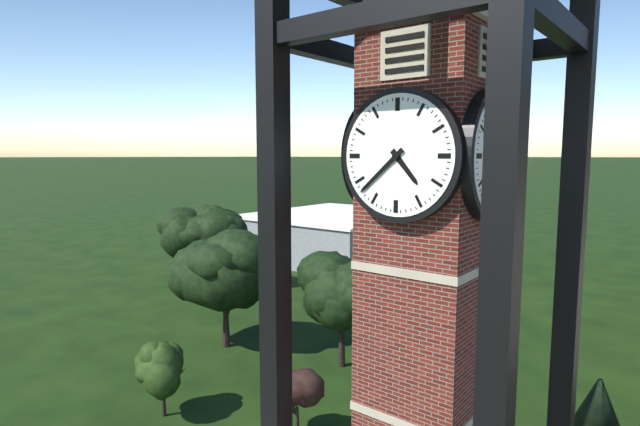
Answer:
{"hour": 4, "minute": 38}
